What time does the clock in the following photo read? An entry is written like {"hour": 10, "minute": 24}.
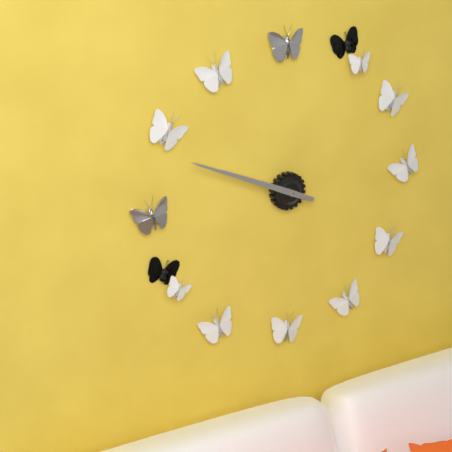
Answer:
{"hour": 9, "minute": 49}
